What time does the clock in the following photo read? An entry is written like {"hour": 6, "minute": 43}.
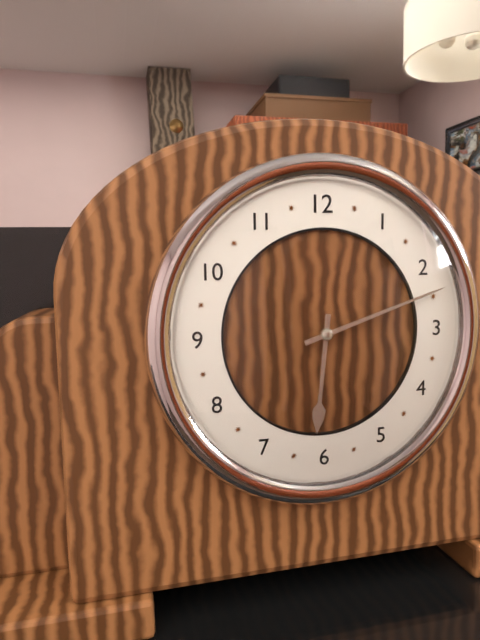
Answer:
{"hour": 6, "minute": 12}
